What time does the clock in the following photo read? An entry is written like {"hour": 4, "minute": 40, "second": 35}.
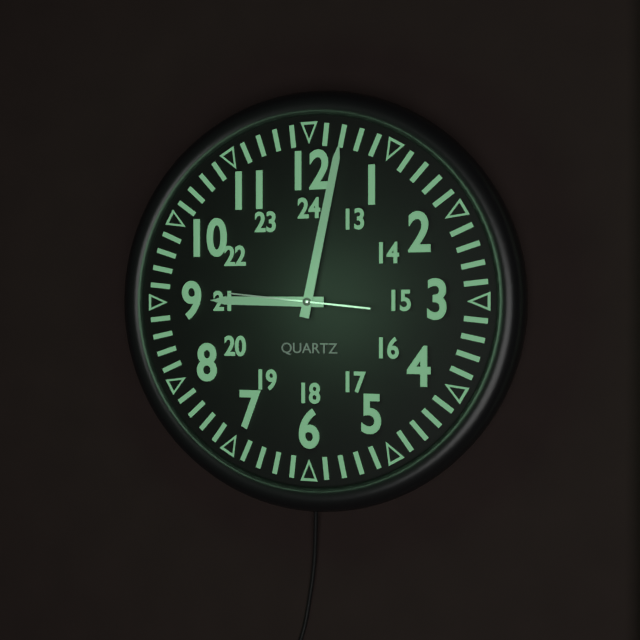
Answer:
{"hour": 9, "minute": 2, "second": 46}
